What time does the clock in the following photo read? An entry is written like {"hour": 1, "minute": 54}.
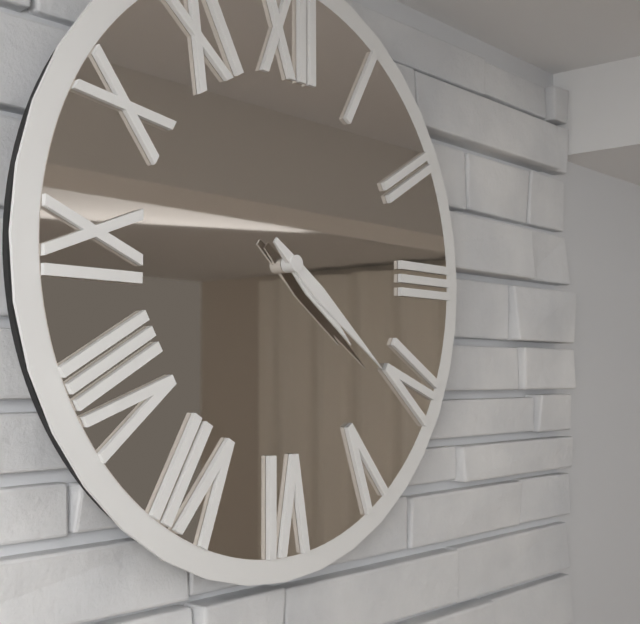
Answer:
{"hour": 4, "minute": 21}
